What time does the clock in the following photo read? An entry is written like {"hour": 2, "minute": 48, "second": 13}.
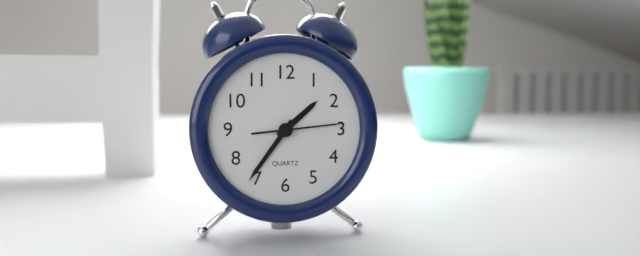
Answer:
{"hour": 1, "minute": 36, "second": 14}
